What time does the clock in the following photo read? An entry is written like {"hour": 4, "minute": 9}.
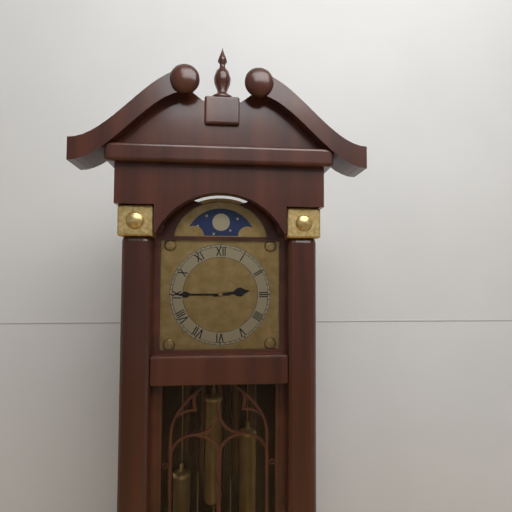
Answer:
{"hour": 2, "minute": 45}
